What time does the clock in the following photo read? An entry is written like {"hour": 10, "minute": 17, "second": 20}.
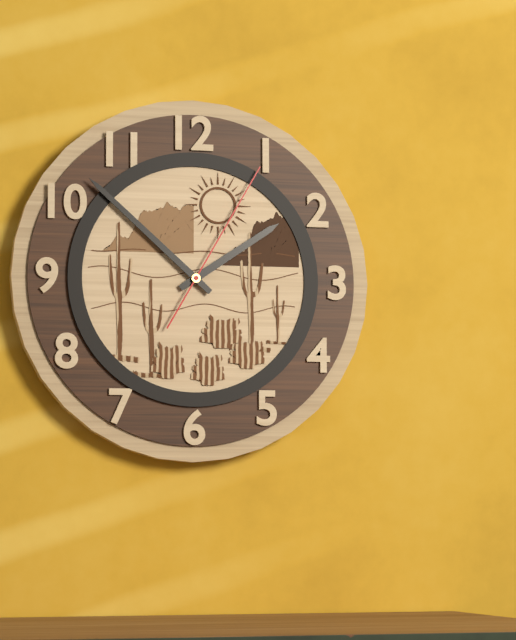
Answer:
{"hour": 1, "minute": 52, "second": 5}
